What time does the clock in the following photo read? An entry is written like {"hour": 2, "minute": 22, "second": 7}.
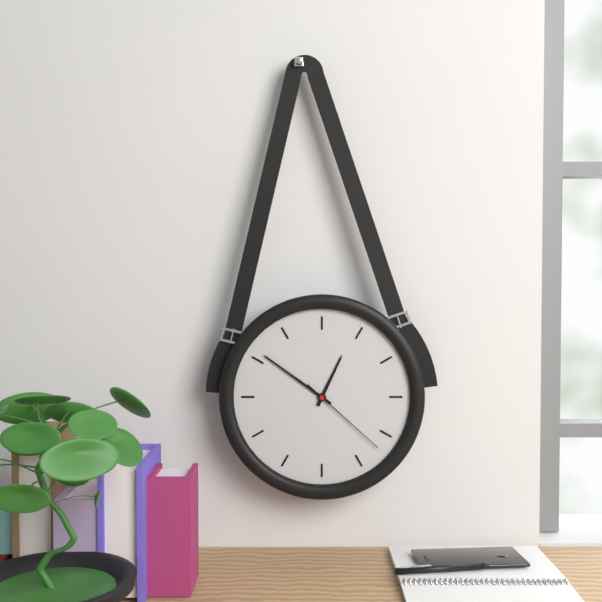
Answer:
{"hour": 12, "minute": 51, "second": 22}
